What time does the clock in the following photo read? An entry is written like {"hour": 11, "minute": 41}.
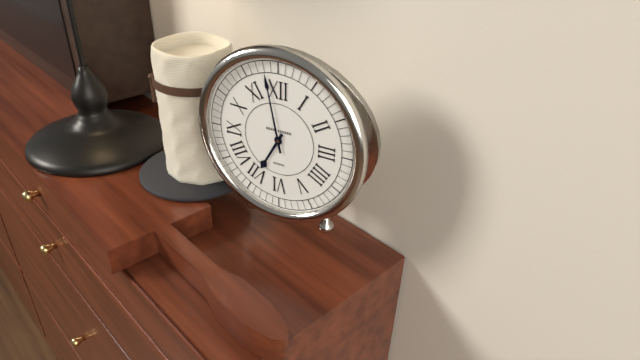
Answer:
{"hour": 6, "minute": 58}
